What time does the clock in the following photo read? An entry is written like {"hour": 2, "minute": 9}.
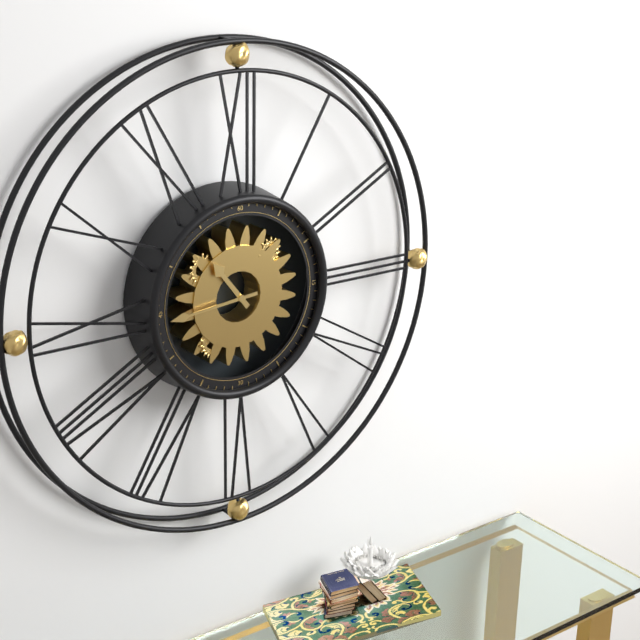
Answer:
{"hour": 10, "minute": 44}
